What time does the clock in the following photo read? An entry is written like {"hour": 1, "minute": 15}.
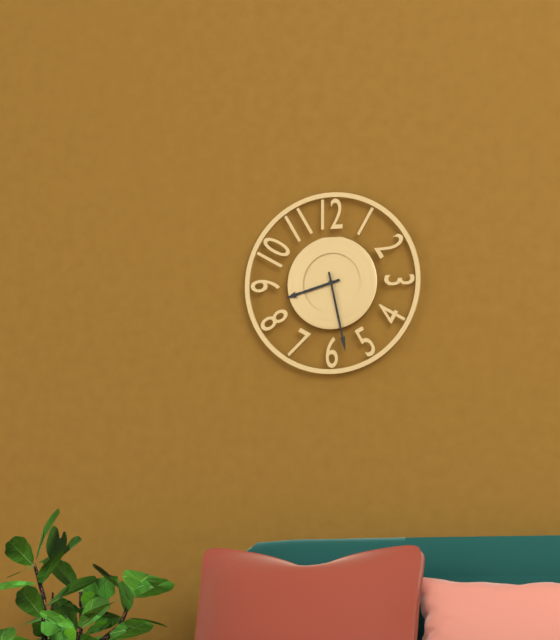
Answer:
{"hour": 8, "minute": 28}
